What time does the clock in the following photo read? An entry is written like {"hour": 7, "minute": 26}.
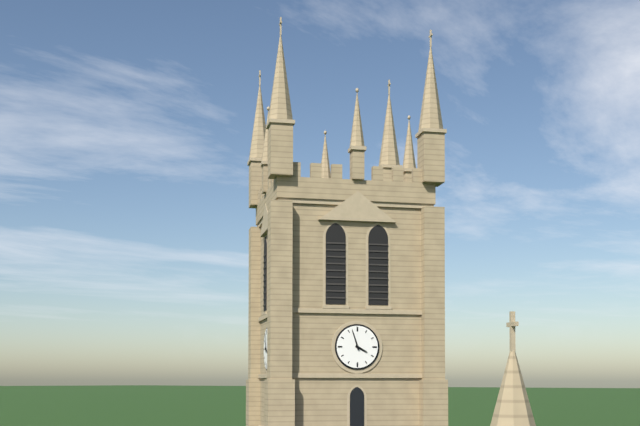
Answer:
{"hour": 3, "minute": 57}
